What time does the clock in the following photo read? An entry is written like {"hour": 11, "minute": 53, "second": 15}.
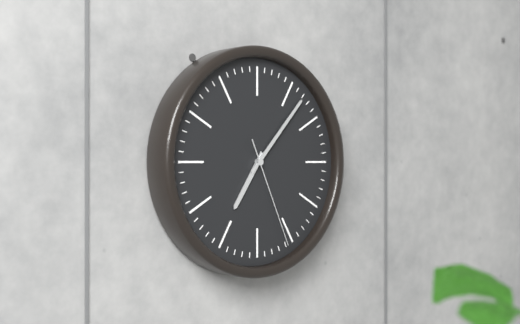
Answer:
{"hour": 7, "minute": 7, "second": 26}
